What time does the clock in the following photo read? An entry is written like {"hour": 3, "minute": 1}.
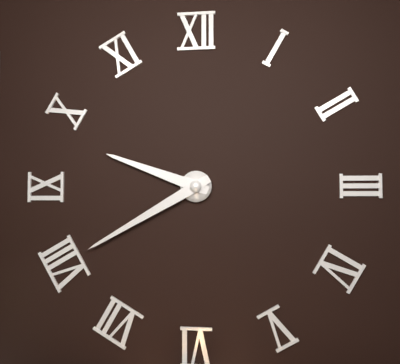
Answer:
{"hour": 9, "minute": 40}
